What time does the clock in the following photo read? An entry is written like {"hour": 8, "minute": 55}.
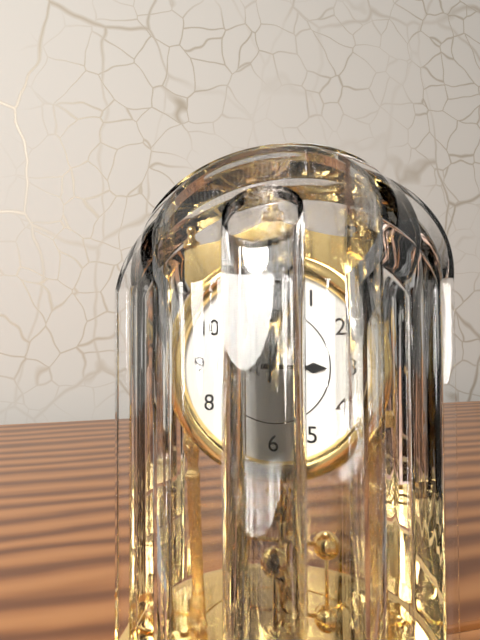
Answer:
{"hour": 3, "minute": 2}
